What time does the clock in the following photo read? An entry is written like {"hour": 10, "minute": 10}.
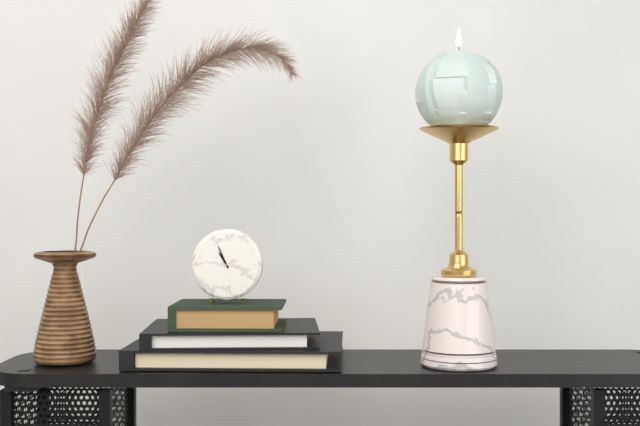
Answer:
{"hour": 10, "minute": 56}
